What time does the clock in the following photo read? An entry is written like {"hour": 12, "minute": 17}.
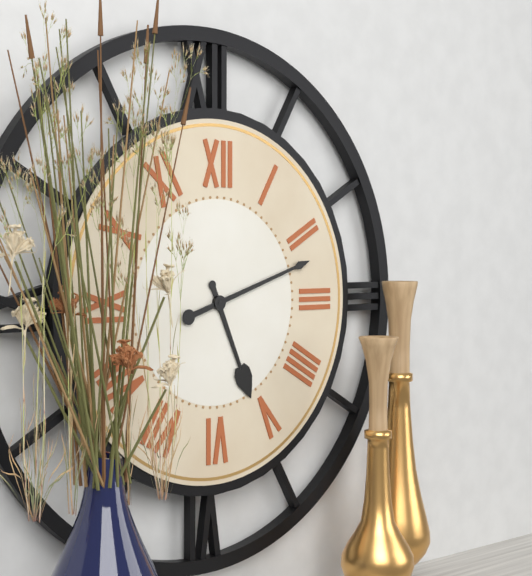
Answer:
{"hour": 5, "minute": 12}
